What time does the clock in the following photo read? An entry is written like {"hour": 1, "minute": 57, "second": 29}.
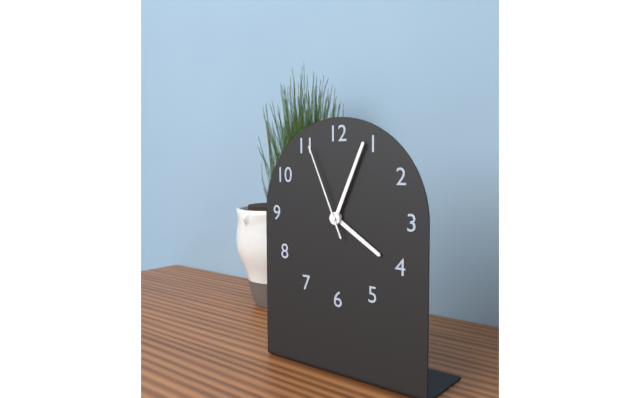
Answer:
{"hour": 4, "minute": 4, "second": 56}
